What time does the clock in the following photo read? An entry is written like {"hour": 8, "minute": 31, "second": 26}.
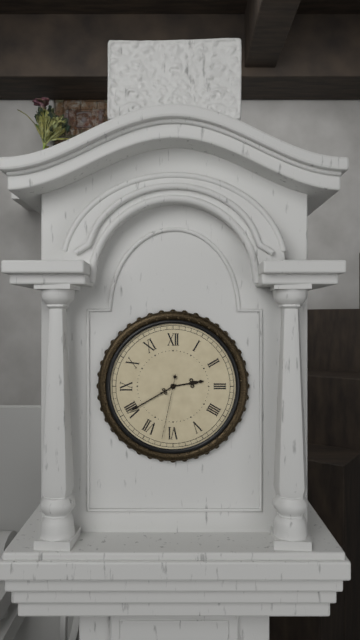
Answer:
{"hour": 2, "minute": 40, "second": 32}
